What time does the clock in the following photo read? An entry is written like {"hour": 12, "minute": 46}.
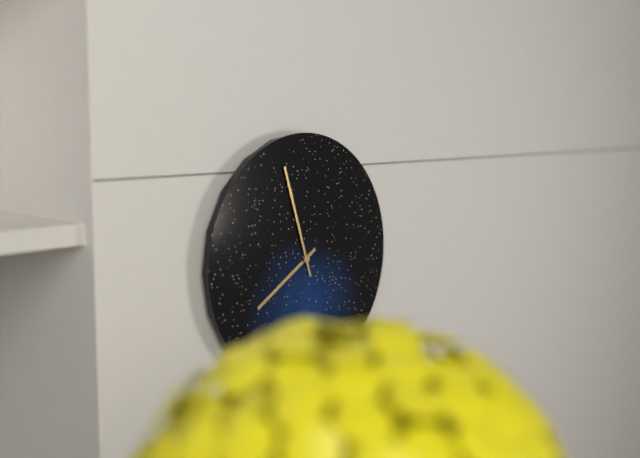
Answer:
{"hour": 7, "minute": 57}
